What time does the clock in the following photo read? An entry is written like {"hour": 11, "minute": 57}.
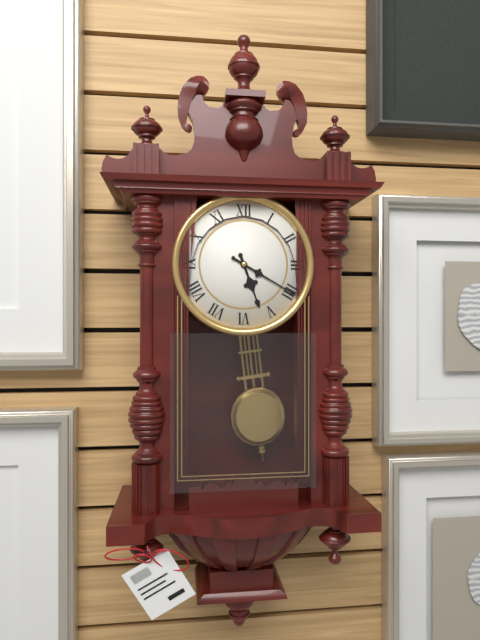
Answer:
{"hour": 5, "minute": 20}
